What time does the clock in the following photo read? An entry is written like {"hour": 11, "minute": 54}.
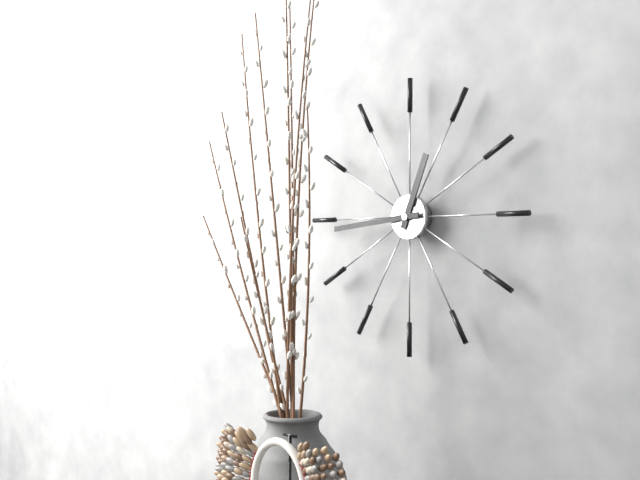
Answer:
{"hour": 12, "minute": 44}
